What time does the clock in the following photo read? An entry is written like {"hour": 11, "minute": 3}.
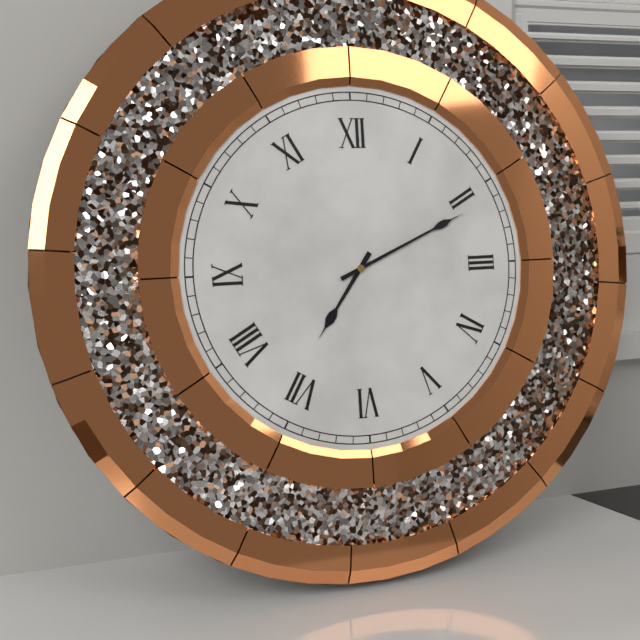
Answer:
{"hour": 7, "minute": 11}
